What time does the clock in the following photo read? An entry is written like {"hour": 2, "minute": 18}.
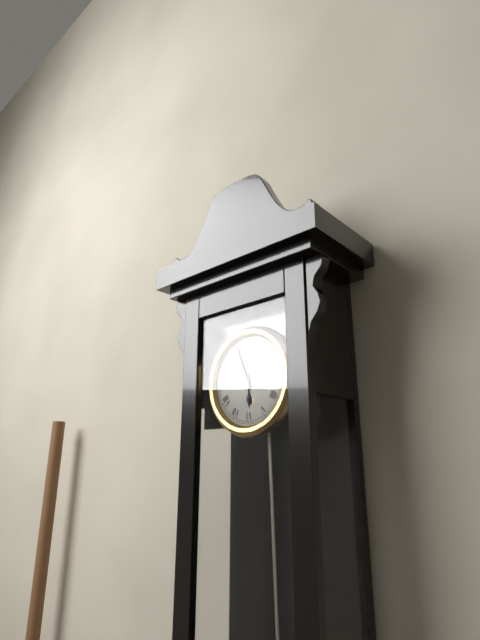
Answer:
{"hour": 5, "minute": 56}
